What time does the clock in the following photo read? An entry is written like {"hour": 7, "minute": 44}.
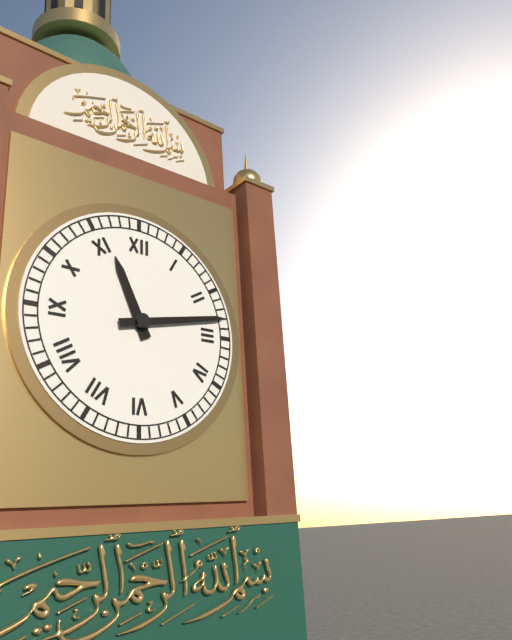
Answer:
{"hour": 11, "minute": 13}
